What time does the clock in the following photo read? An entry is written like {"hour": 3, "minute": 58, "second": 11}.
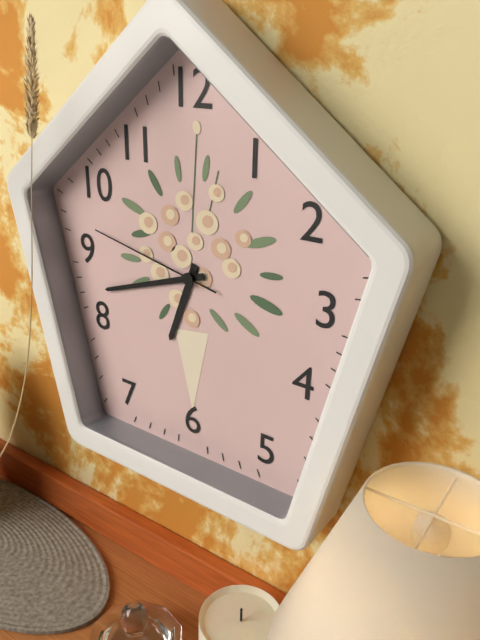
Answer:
{"hour": 6, "minute": 42, "second": 47}
